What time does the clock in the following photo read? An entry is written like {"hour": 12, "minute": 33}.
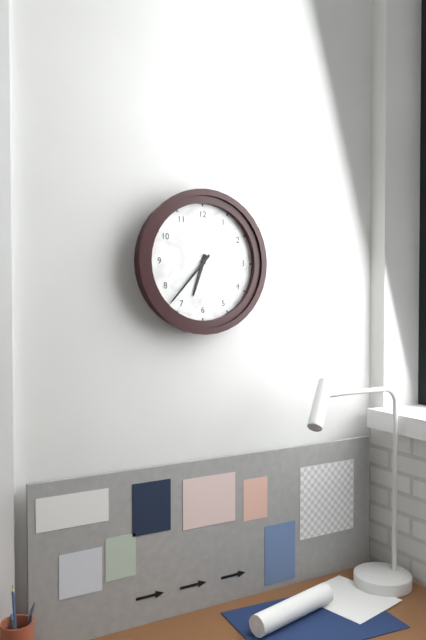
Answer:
{"hour": 6, "minute": 37}
